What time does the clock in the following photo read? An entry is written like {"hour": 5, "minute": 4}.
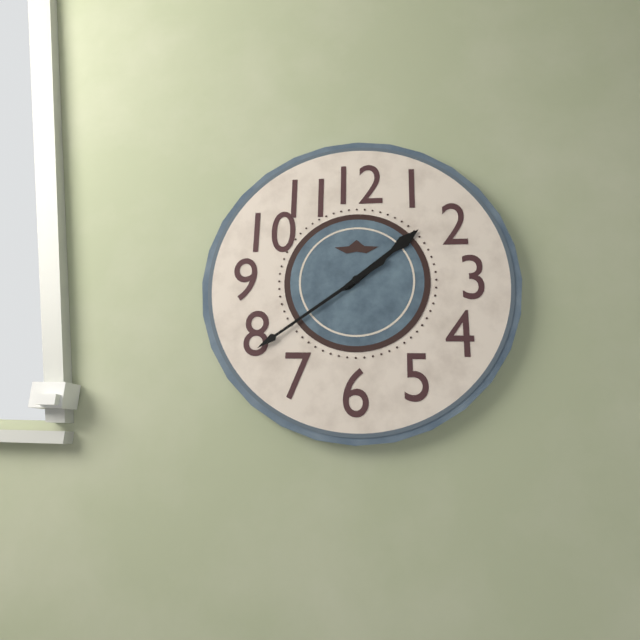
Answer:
{"hour": 1, "minute": 39}
